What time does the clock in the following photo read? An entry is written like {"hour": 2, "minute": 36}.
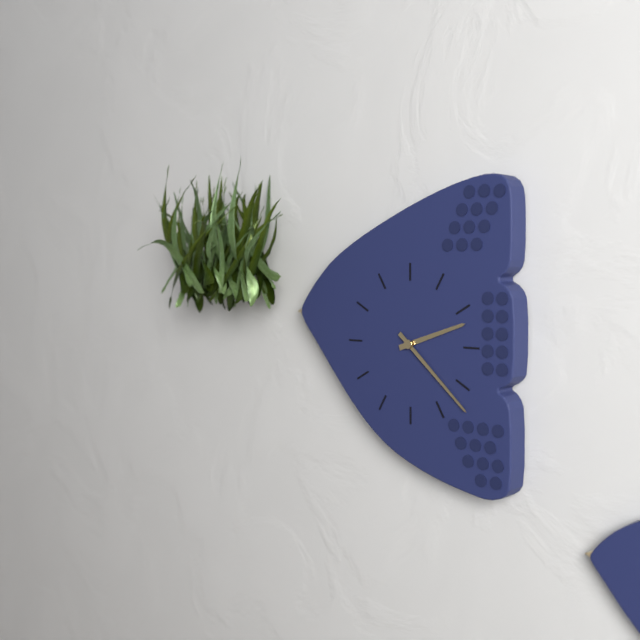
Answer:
{"hour": 2, "minute": 22}
